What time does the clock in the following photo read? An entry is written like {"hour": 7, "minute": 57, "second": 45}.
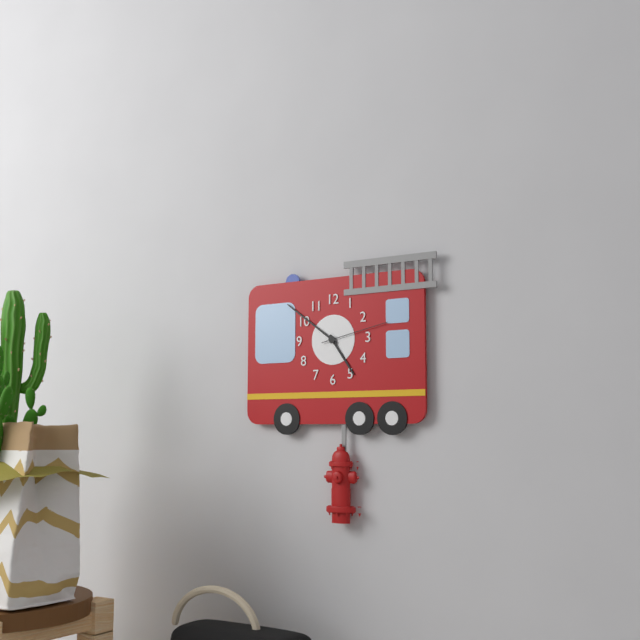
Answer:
{"hour": 4, "minute": 51, "second": 13}
